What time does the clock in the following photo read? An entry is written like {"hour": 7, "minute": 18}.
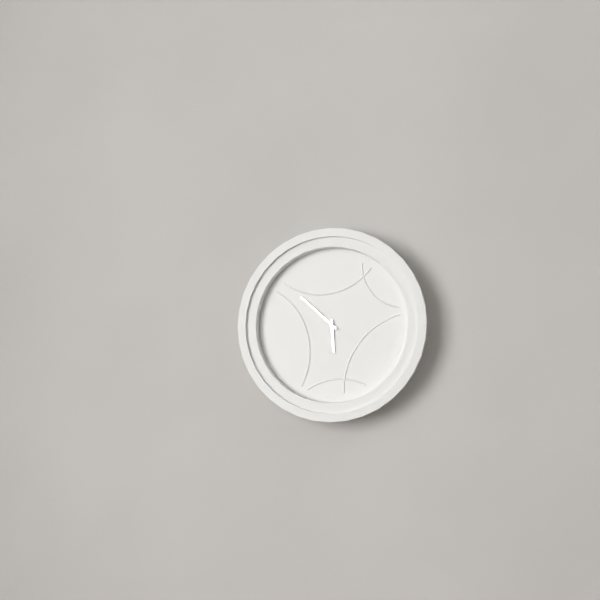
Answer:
{"hour": 5, "minute": 52}
